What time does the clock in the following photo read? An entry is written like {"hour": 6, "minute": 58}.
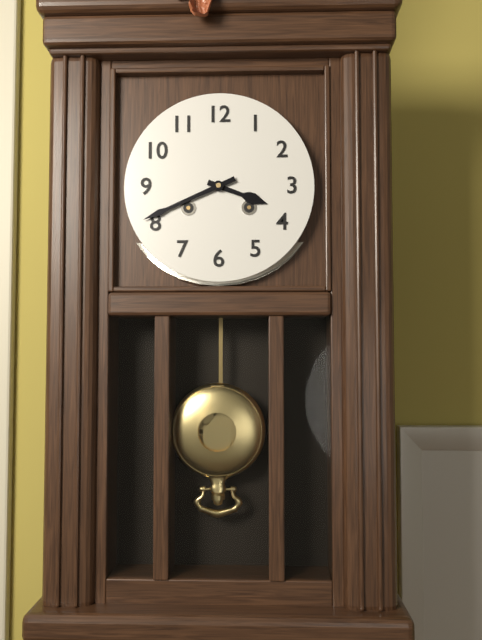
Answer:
{"hour": 3, "minute": 41}
